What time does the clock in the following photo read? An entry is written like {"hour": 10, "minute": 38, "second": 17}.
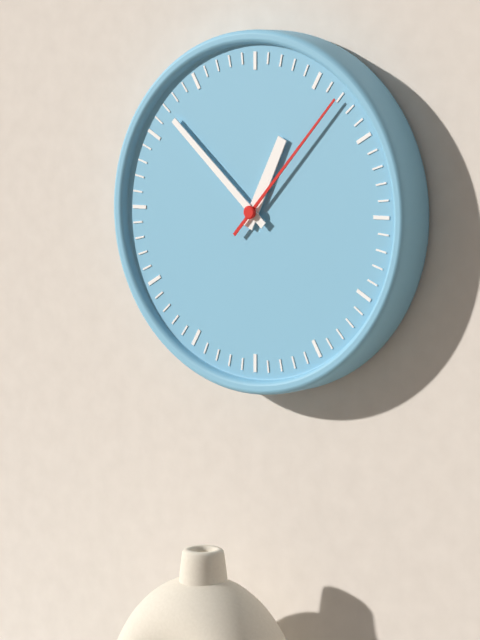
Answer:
{"hour": 12, "minute": 52, "second": 7}
